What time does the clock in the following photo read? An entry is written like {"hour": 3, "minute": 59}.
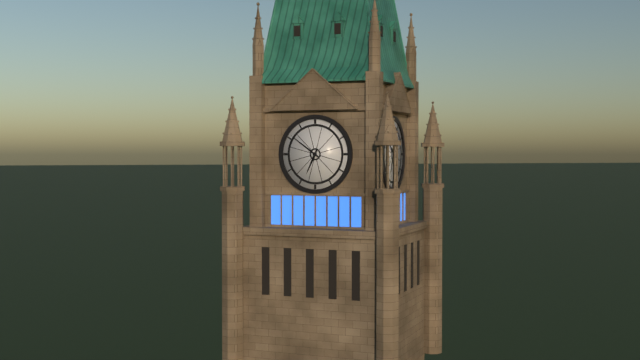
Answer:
{"hour": 6, "minute": 51}
